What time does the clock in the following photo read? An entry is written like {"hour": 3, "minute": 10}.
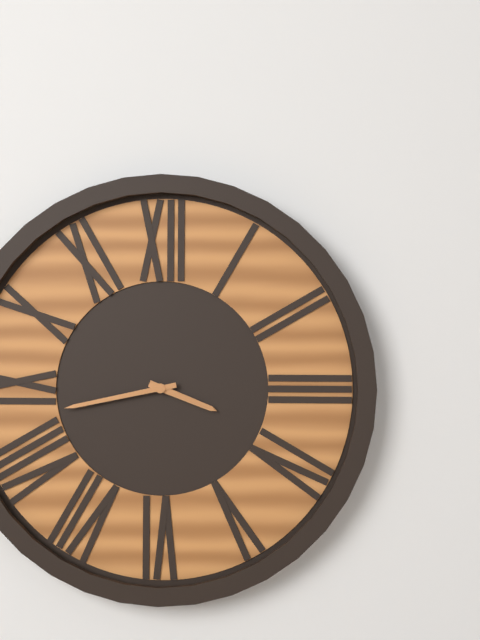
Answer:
{"hour": 3, "minute": 43}
